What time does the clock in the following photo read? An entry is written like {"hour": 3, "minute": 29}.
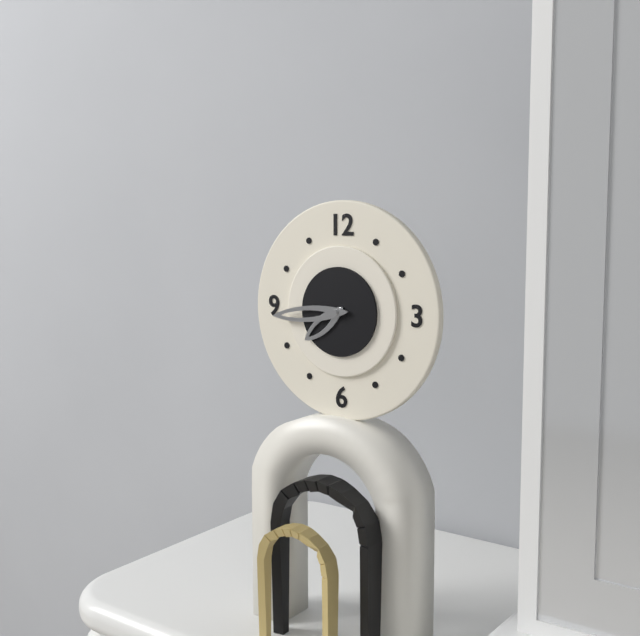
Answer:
{"hour": 7, "minute": 44}
